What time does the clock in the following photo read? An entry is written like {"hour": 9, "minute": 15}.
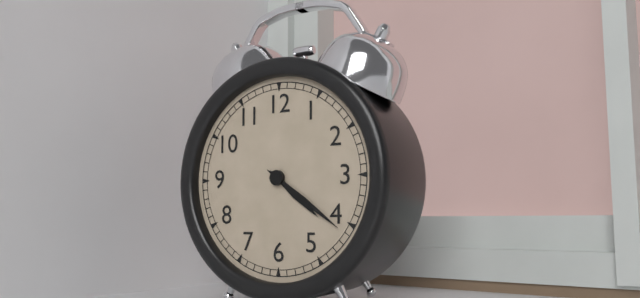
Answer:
{"hour": 4, "minute": 21}
